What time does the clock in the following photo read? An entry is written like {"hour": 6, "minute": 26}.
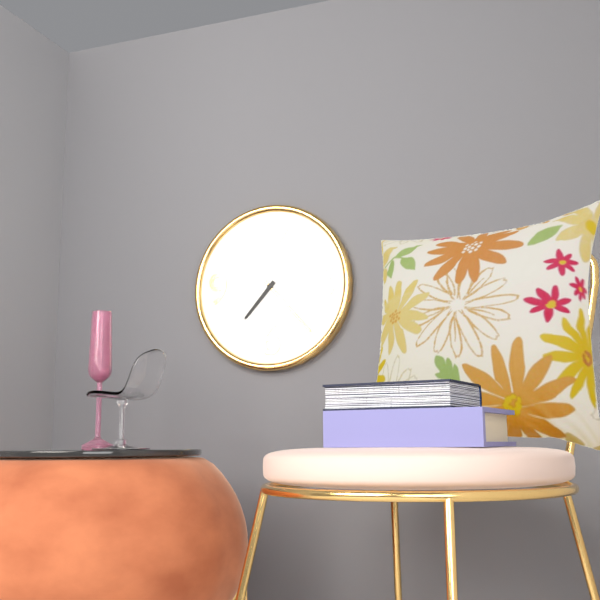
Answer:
{"hour": 7, "minute": 23}
